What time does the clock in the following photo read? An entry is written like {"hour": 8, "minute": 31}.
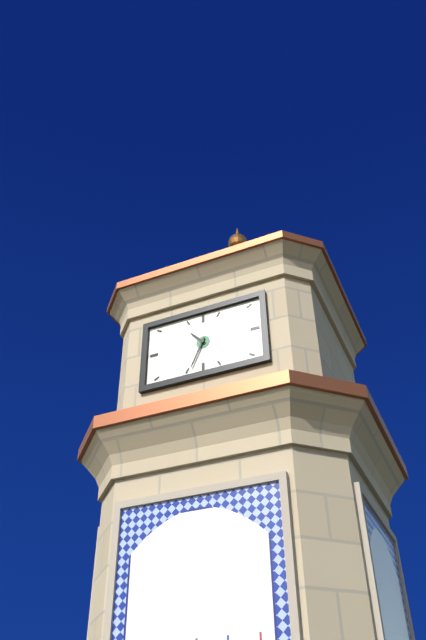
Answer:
{"hour": 10, "minute": 34}
